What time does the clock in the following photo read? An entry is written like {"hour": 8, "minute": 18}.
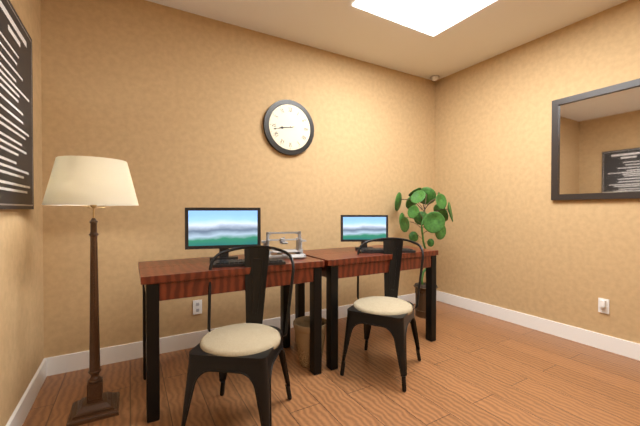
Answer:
{"hour": 8, "minute": 43}
